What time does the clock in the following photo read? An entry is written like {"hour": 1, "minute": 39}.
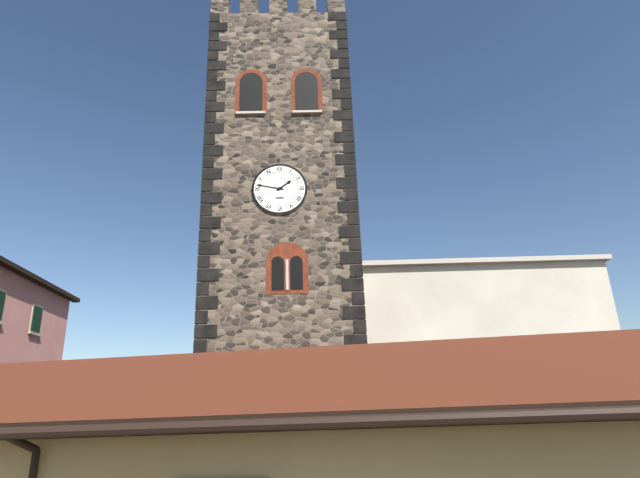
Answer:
{"hour": 1, "minute": 47}
